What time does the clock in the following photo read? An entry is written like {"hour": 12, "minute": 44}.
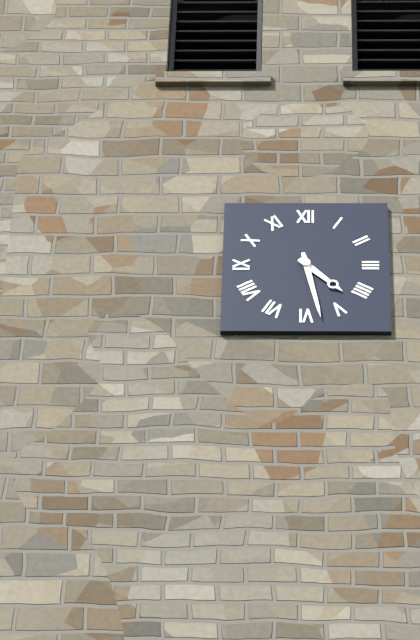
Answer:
{"hour": 4, "minute": 28}
